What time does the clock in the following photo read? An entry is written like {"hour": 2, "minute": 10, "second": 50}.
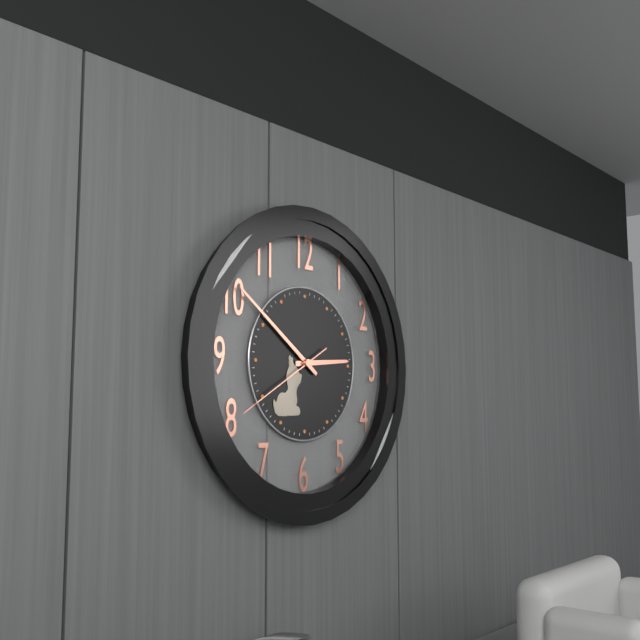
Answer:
{"hour": 2, "minute": 51, "second": 40}
